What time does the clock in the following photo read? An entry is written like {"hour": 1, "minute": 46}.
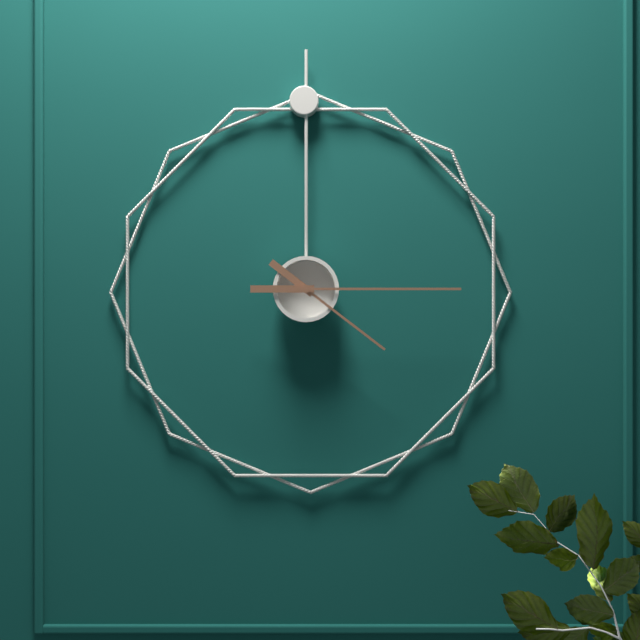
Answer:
{"hour": 4, "minute": 15}
